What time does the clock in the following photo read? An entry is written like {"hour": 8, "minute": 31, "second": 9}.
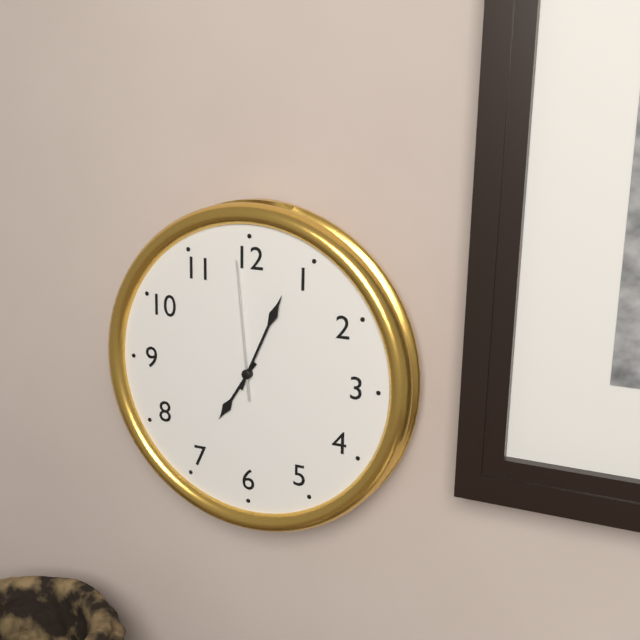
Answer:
{"hour": 7, "minute": 4, "second": 59}
